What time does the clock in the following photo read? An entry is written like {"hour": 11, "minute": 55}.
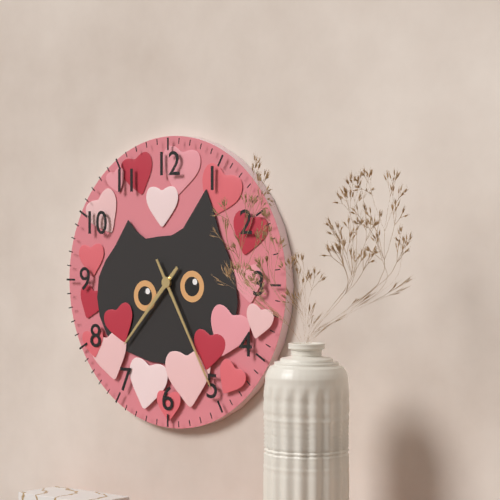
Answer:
{"hour": 7, "minute": 25}
